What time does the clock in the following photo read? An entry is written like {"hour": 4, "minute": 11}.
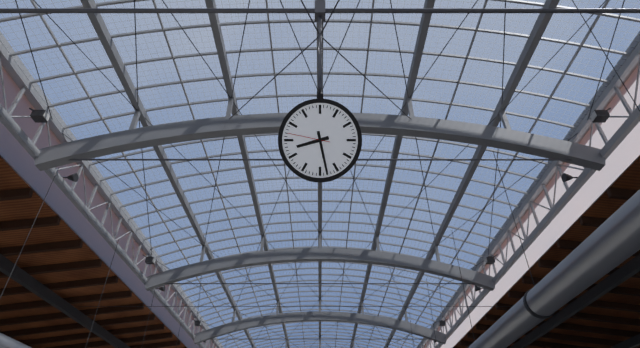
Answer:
{"hour": 8, "minute": 28}
